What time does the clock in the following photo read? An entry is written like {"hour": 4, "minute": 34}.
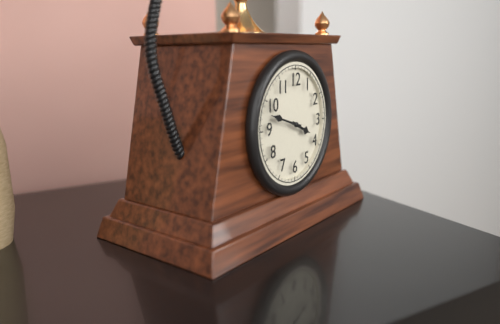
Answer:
{"hour": 3, "minute": 48}
